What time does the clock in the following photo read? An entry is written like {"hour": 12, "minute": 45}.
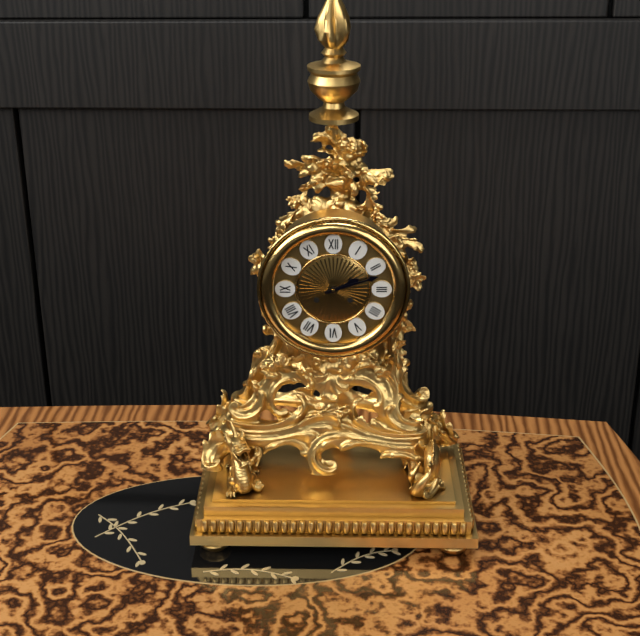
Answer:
{"hour": 2, "minute": 12}
